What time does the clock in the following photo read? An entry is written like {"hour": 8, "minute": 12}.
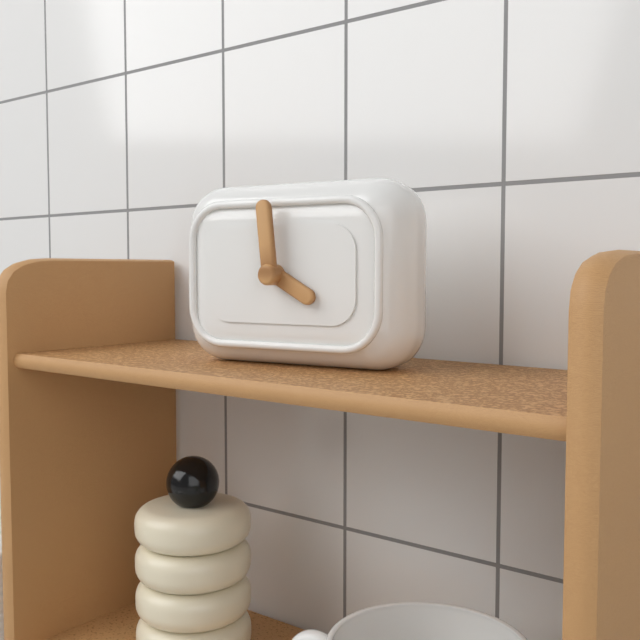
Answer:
{"hour": 3, "minute": 59}
